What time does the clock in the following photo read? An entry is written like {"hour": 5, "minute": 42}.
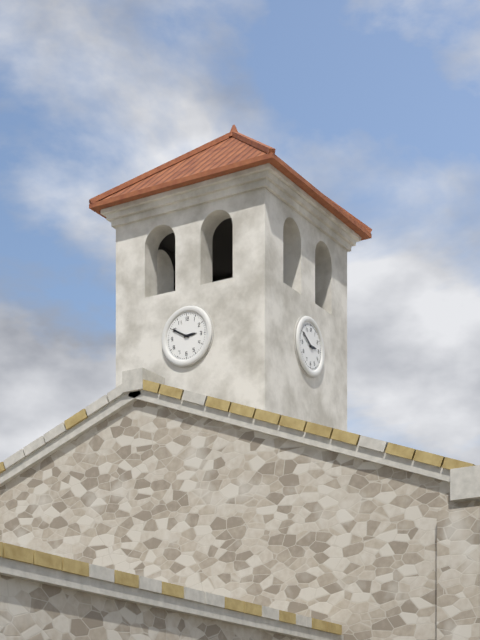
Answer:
{"hour": 2, "minute": 50}
